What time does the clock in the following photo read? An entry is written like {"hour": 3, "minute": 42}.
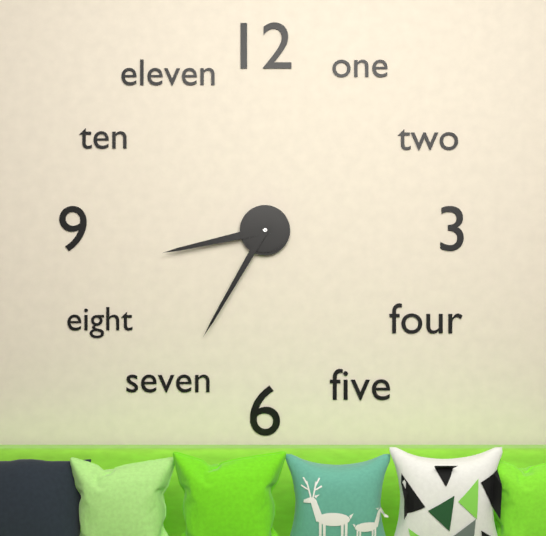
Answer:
{"hour": 8, "minute": 35}
